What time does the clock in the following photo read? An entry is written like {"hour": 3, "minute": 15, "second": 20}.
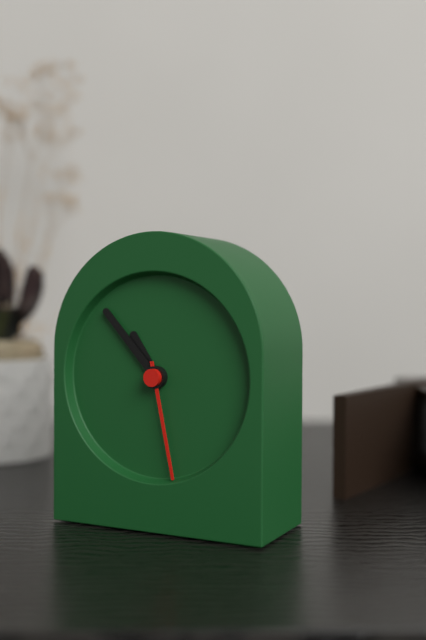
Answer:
{"hour": 10, "minute": 53, "second": 28}
